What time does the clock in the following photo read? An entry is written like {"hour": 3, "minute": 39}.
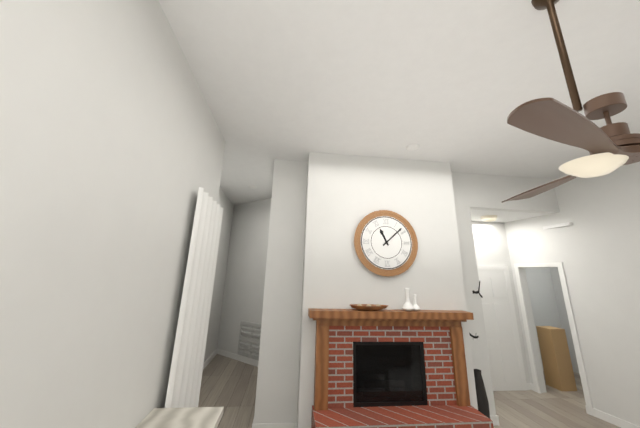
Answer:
{"hour": 11, "minute": 8}
